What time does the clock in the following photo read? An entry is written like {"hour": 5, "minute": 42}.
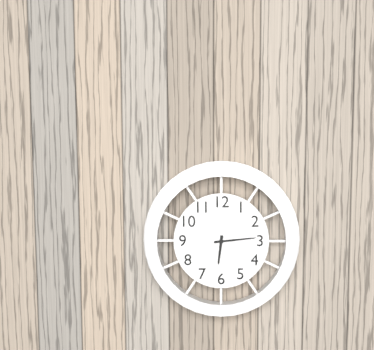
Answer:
{"hour": 6, "minute": 14}
